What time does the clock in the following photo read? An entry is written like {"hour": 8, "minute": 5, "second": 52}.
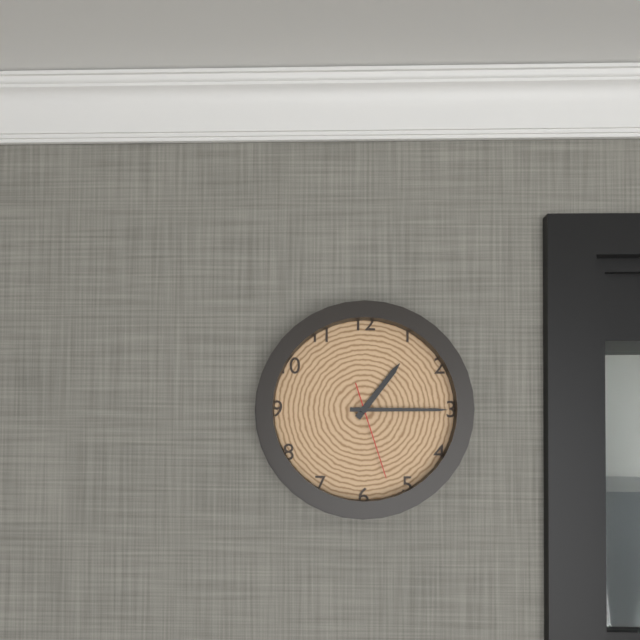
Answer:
{"hour": 1, "minute": 15, "second": 27}
